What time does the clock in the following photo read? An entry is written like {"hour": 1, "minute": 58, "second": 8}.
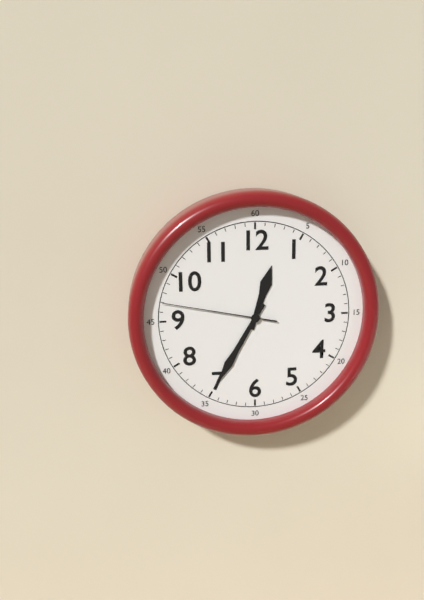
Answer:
{"hour": 12, "minute": 35, "second": 47}
